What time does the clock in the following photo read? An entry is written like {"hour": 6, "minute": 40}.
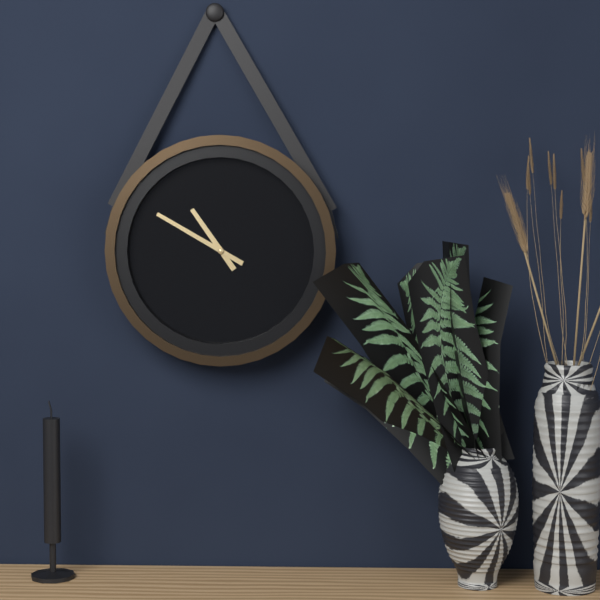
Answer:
{"hour": 10, "minute": 50}
